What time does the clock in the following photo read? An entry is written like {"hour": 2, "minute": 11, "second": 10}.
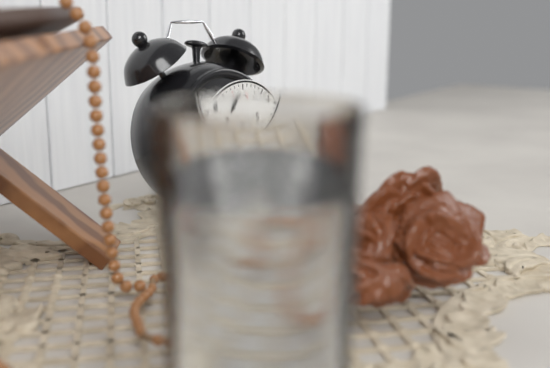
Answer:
{"hour": 7, "minute": 3, "second": 57}
